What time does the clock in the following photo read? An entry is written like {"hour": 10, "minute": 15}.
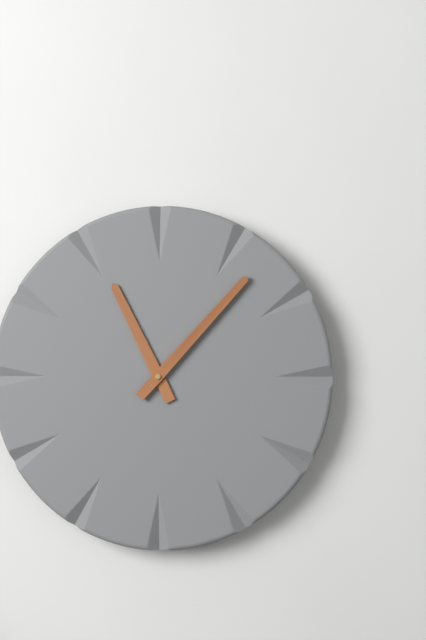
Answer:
{"hour": 11, "minute": 7}
